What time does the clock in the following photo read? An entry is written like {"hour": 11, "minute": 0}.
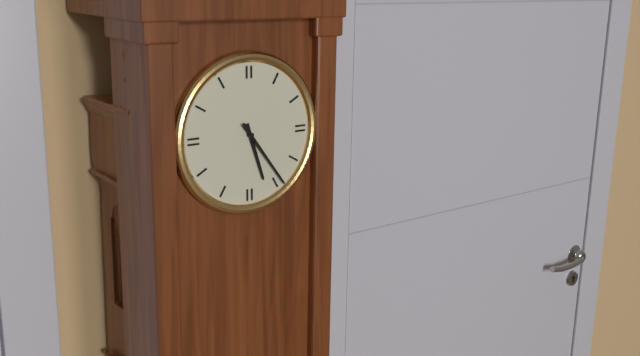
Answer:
{"hour": 5, "minute": 24}
